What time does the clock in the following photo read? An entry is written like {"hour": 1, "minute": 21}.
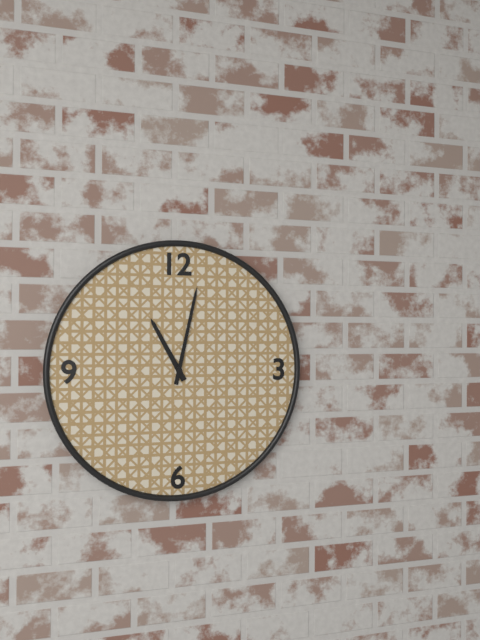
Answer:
{"hour": 11, "minute": 2}
